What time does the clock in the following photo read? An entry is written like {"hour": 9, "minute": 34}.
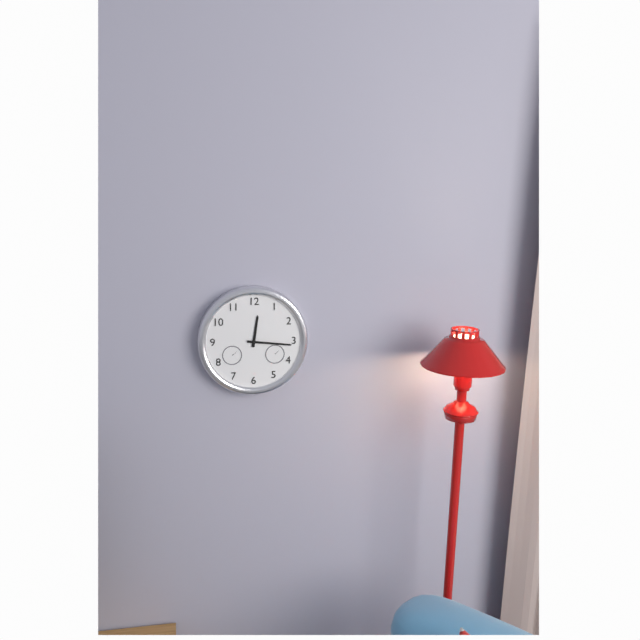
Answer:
{"hour": 12, "minute": 16}
